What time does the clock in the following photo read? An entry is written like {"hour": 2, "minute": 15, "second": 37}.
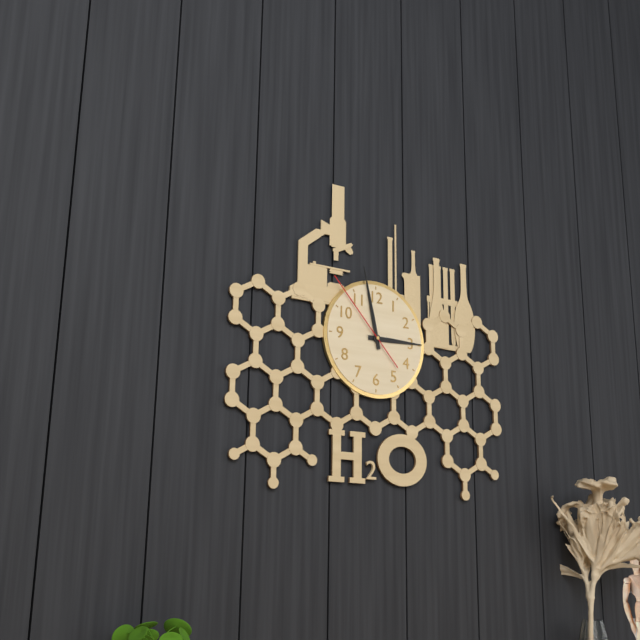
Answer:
{"hour": 2, "minute": 58, "second": 53}
